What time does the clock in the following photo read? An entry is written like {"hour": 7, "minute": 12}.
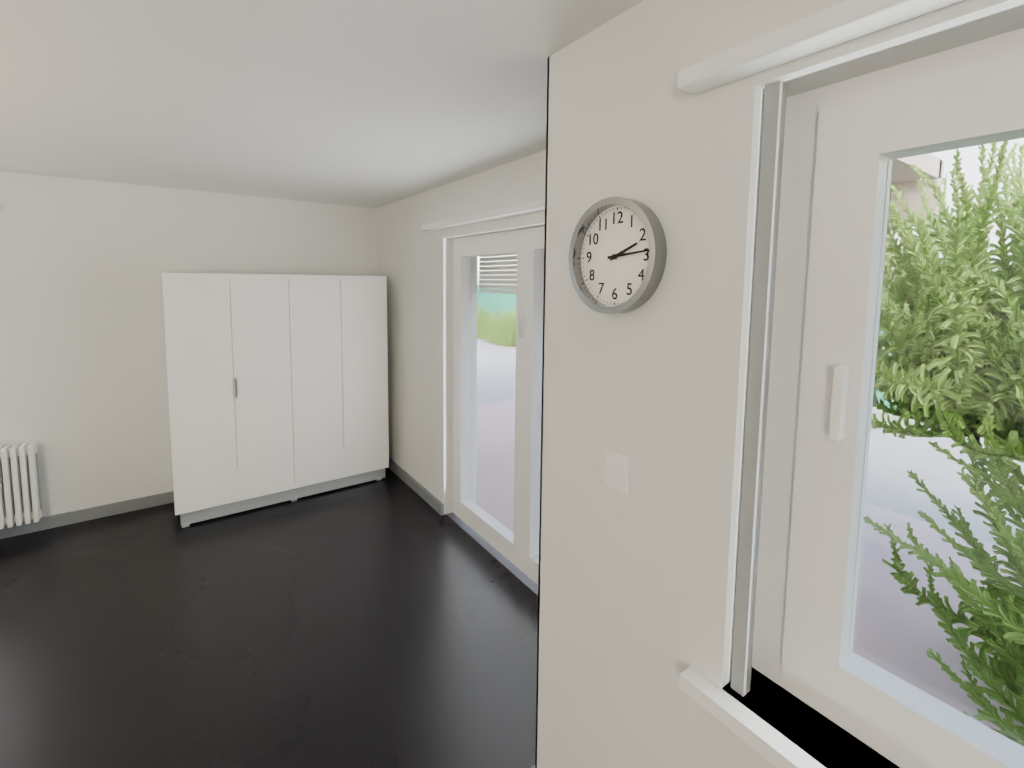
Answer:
{"hour": 2, "minute": 14}
